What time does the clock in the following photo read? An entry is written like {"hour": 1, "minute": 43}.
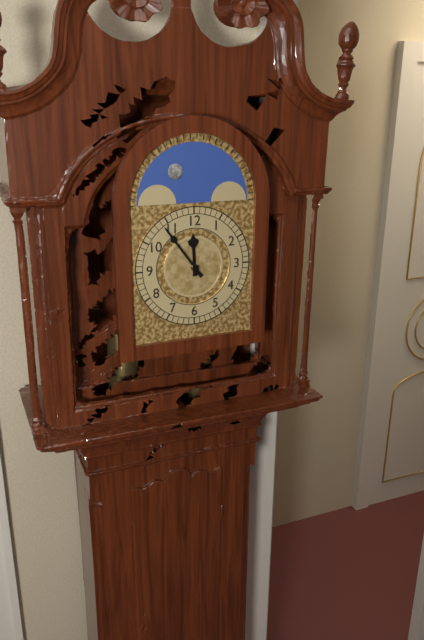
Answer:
{"hour": 11, "minute": 54}
